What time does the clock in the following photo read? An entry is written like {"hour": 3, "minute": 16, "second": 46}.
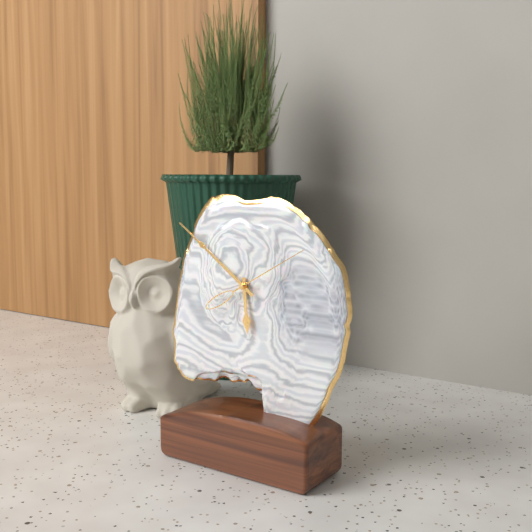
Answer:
{"hour": 5, "minute": 51, "second": 10}
